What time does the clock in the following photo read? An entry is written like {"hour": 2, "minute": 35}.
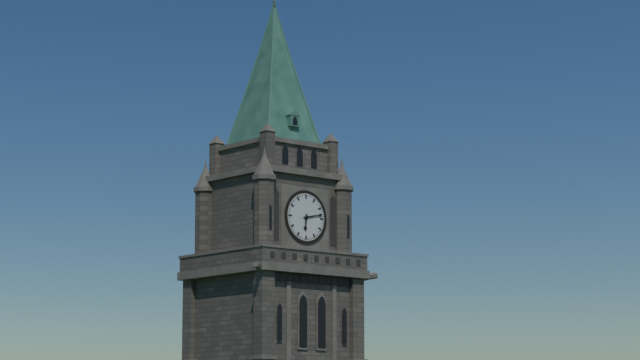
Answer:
{"hour": 6, "minute": 13}
